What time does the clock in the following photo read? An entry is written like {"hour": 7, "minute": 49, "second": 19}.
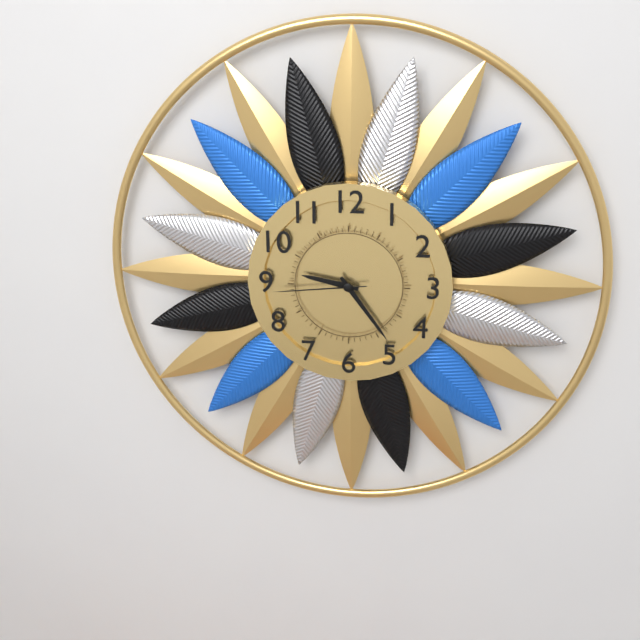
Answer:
{"hour": 9, "minute": 24, "second": 44}
